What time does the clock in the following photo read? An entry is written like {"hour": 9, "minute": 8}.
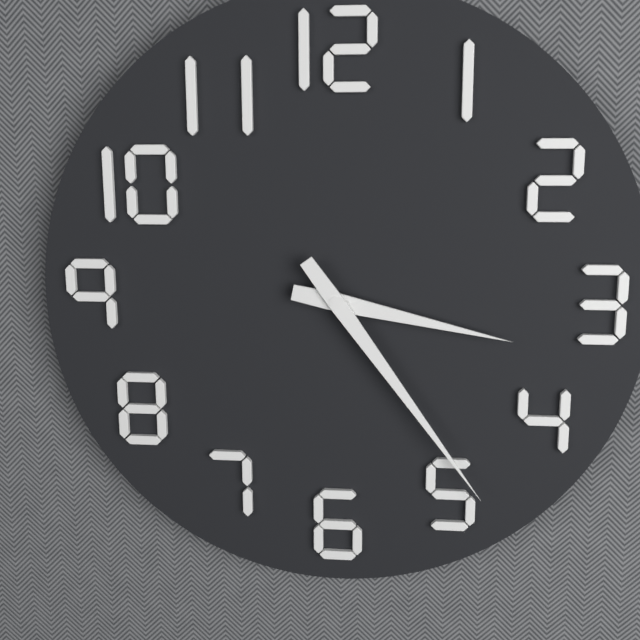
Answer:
{"hour": 3, "minute": 24}
